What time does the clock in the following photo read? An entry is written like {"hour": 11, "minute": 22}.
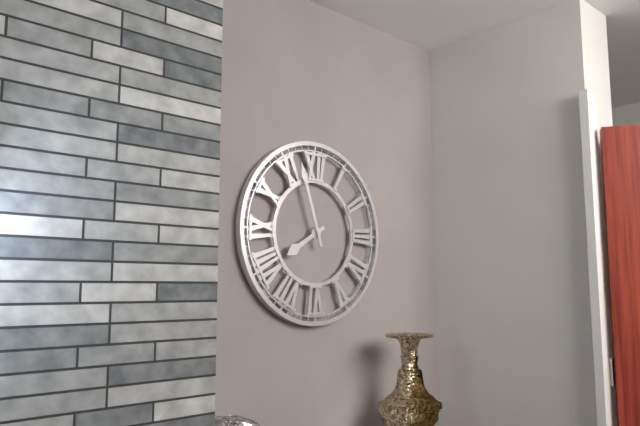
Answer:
{"hour": 7, "minute": 57}
